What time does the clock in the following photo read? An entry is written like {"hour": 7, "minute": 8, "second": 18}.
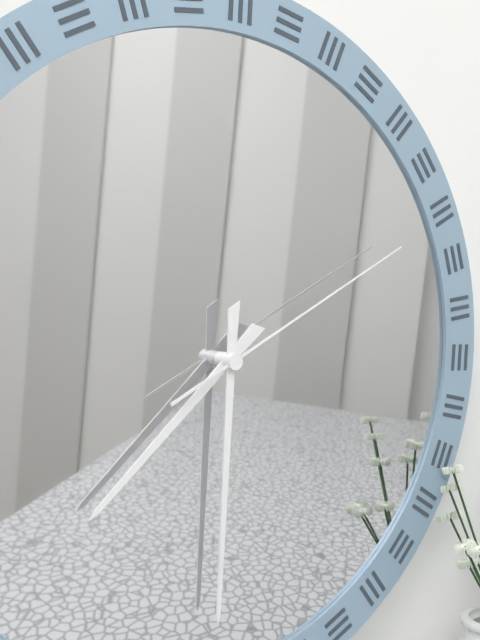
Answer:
{"hour": 7, "minute": 30, "second": 10}
